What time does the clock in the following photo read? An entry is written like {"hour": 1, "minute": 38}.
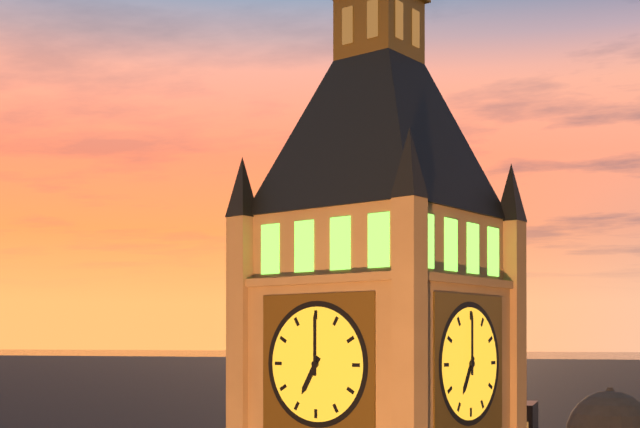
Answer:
{"hour": 7, "minute": 0}
